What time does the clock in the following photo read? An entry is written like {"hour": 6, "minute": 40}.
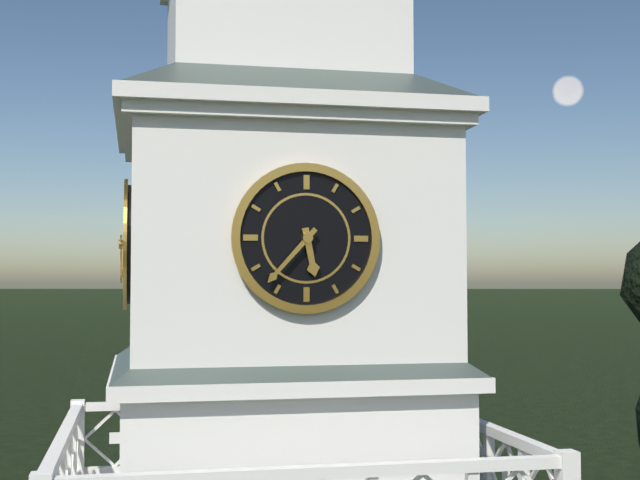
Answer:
{"hour": 5, "minute": 37}
